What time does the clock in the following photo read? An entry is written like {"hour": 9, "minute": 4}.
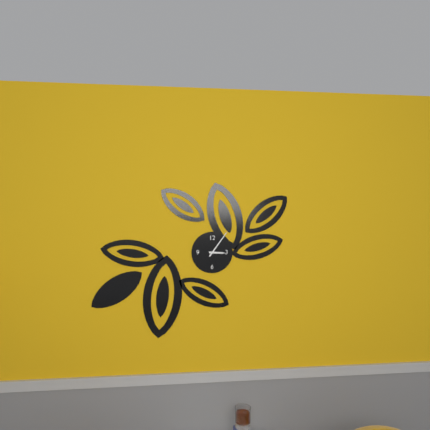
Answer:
{"hour": 3, "minute": 6}
